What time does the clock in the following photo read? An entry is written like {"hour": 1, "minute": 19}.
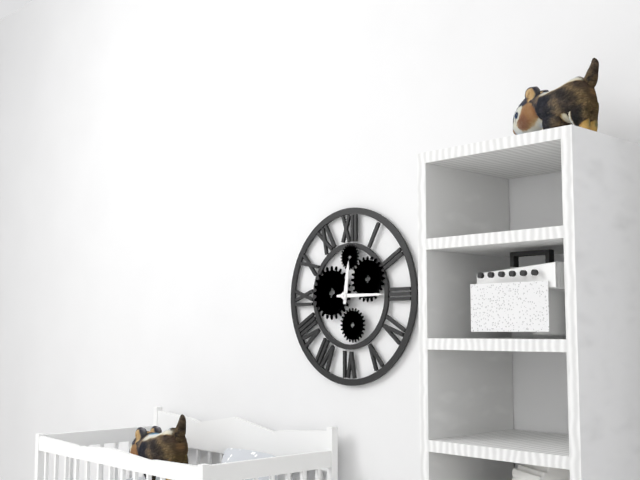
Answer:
{"hour": 12, "minute": 15}
